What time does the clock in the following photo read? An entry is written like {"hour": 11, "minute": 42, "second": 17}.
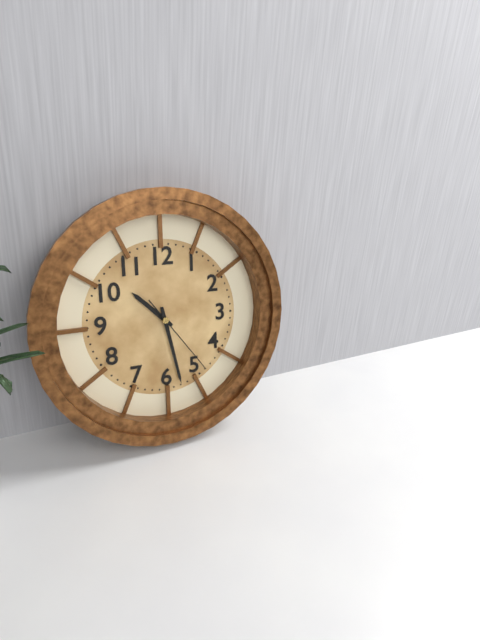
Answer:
{"hour": 10, "minute": 28, "second": 24}
